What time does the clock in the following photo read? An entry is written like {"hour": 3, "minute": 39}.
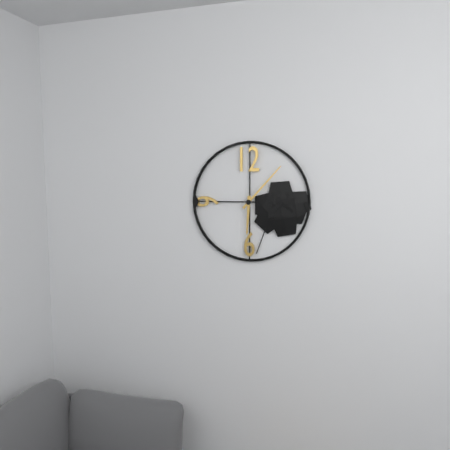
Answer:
{"hour": 6, "minute": 7}
